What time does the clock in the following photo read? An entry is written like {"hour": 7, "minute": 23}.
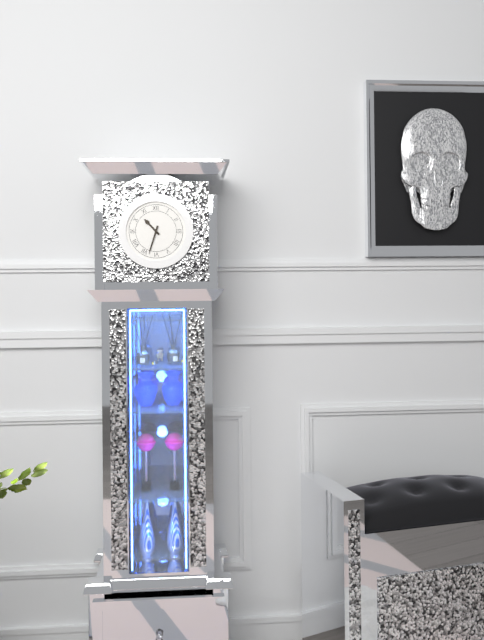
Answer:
{"hour": 10, "minute": 33}
